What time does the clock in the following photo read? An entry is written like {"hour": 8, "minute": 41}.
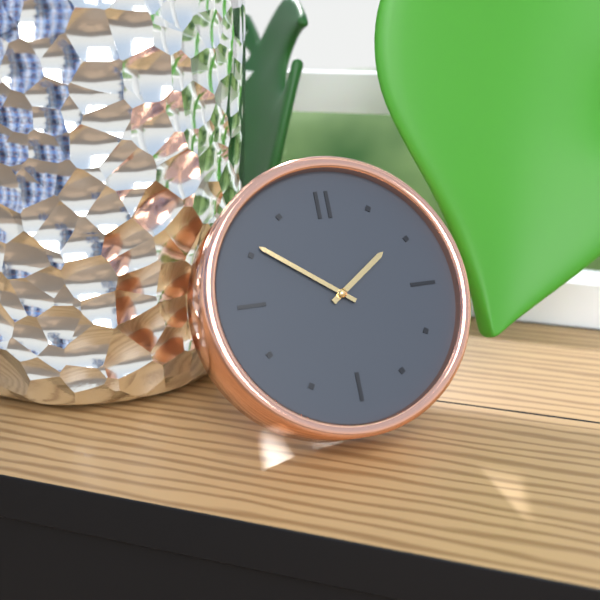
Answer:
{"hour": 1, "minute": 51}
